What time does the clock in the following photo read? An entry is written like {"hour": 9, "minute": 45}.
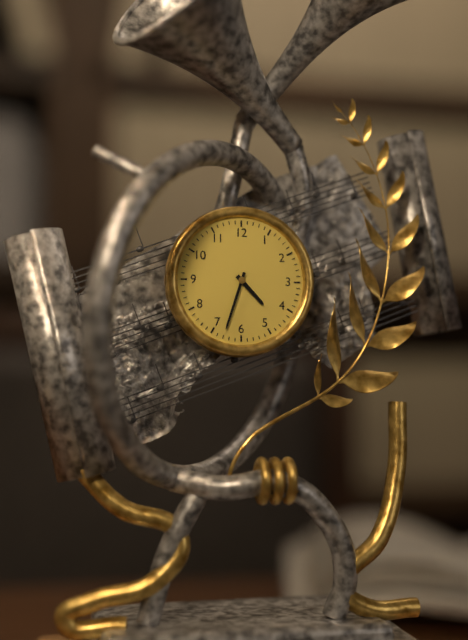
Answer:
{"hour": 4, "minute": 33}
